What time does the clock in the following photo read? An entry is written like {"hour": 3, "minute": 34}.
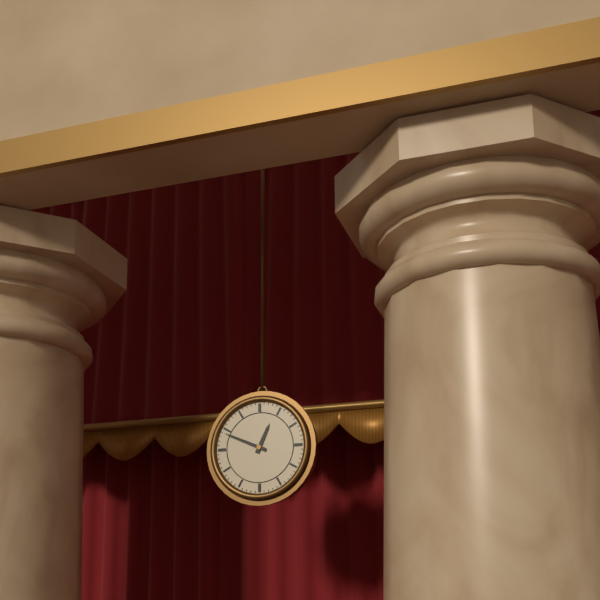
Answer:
{"hour": 12, "minute": 49}
